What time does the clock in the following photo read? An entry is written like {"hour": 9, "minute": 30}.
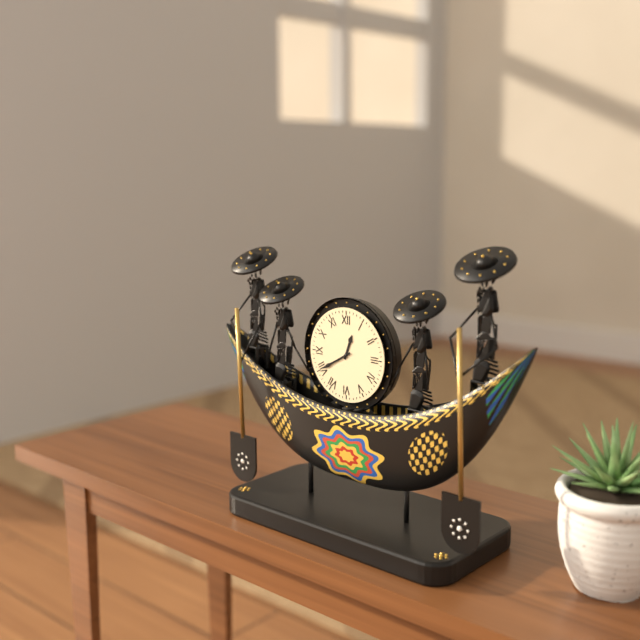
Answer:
{"hour": 12, "minute": 40}
